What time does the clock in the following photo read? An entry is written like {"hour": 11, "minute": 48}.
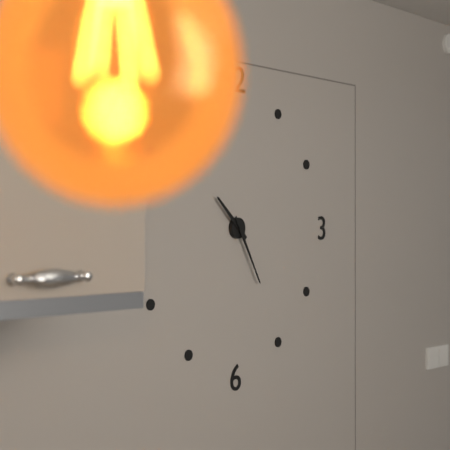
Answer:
{"hour": 10, "minute": 25}
